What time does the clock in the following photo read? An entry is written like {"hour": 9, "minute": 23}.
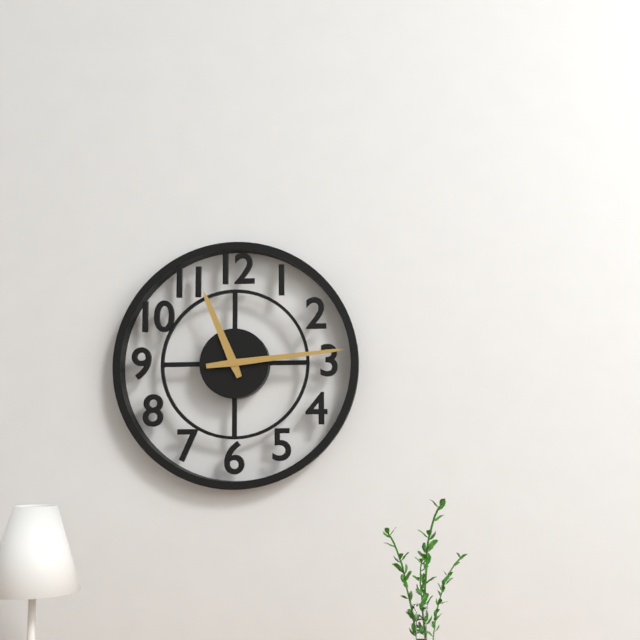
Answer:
{"hour": 11, "minute": 14}
